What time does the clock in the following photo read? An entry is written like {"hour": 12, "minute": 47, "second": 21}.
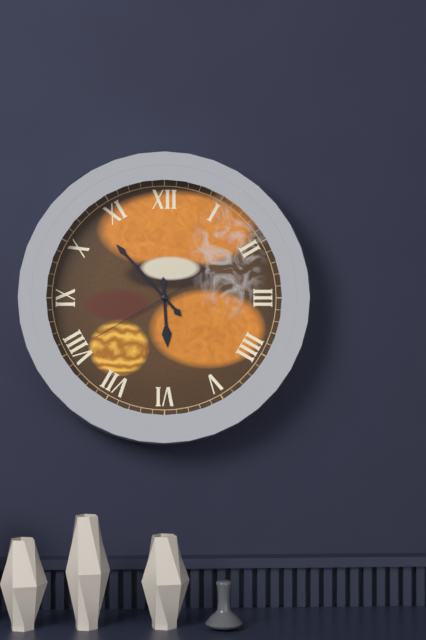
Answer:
{"hour": 5, "minute": 53, "second": 40}
